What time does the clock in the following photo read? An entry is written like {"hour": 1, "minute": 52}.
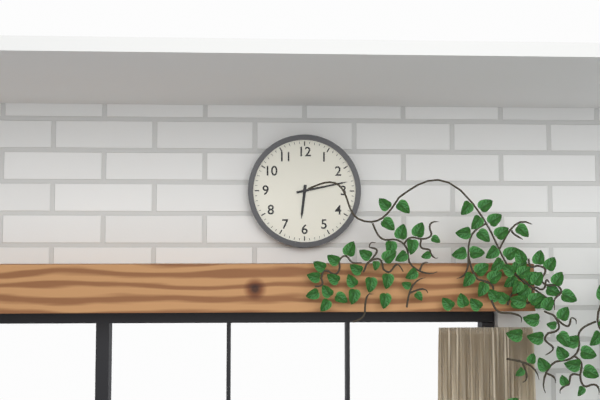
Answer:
{"hour": 6, "minute": 13}
